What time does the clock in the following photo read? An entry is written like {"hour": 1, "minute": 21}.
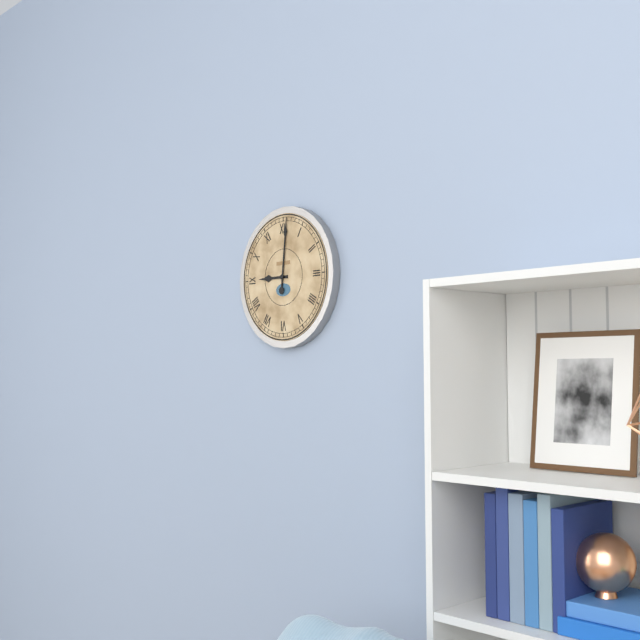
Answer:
{"hour": 9, "minute": 1}
